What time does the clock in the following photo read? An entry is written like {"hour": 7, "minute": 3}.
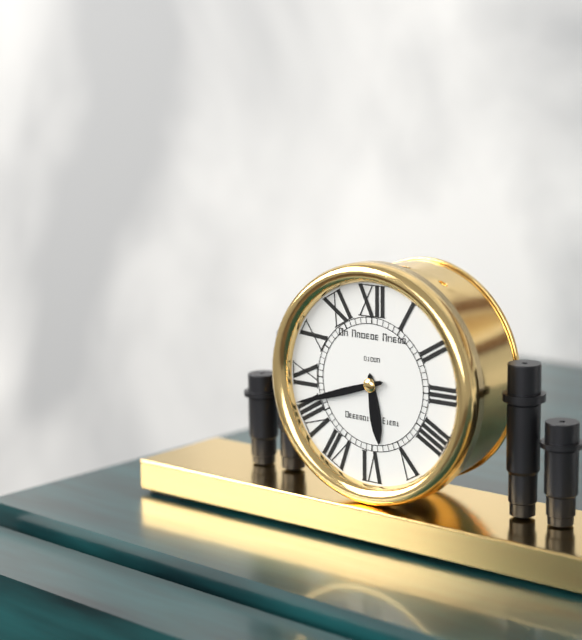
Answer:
{"hour": 5, "minute": 42}
